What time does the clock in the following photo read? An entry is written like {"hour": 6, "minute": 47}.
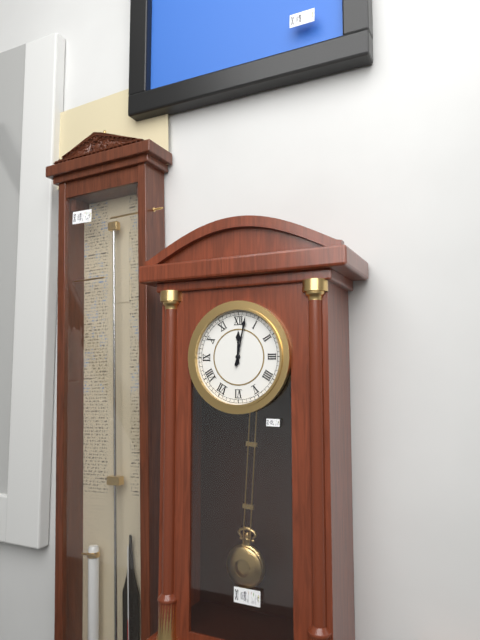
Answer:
{"hour": 12, "minute": 2}
